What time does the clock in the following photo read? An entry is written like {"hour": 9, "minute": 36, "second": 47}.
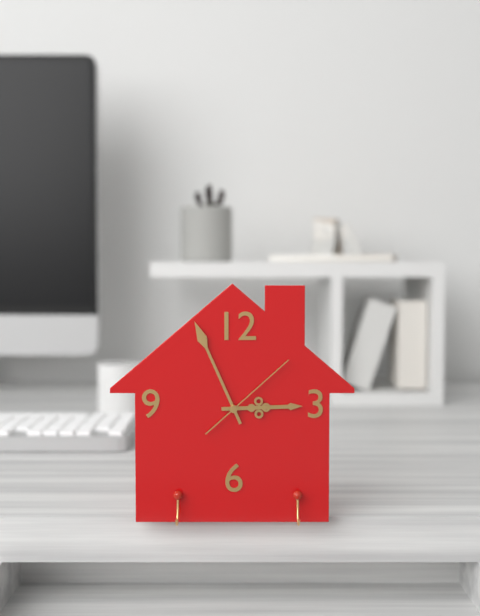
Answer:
{"hour": 2, "minute": 56, "second": 8}
